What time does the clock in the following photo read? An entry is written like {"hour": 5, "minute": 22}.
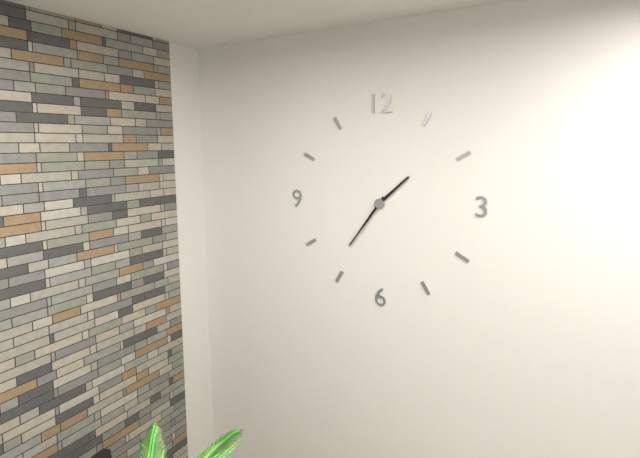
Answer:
{"hour": 1, "minute": 36}
